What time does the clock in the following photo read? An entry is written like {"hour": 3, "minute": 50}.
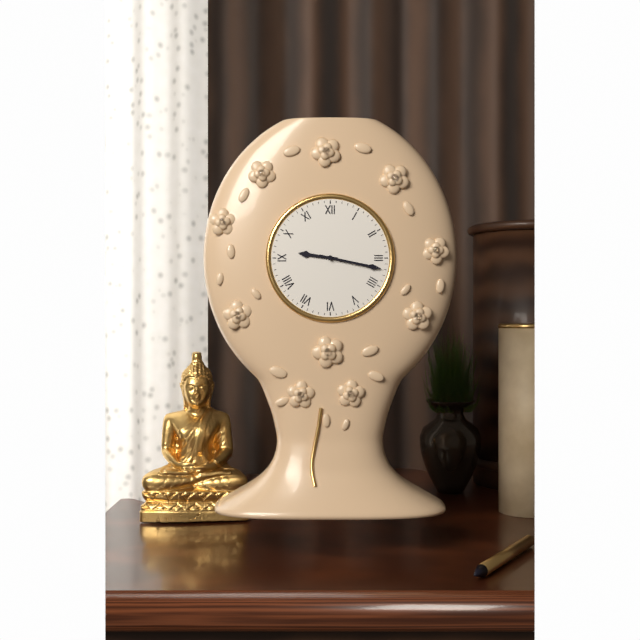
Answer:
{"hour": 9, "minute": 17}
